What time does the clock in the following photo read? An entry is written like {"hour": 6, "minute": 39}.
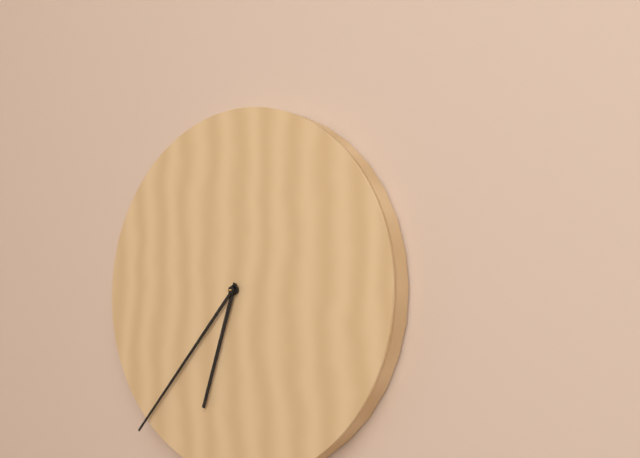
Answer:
{"hour": 6, "minute": 37}
